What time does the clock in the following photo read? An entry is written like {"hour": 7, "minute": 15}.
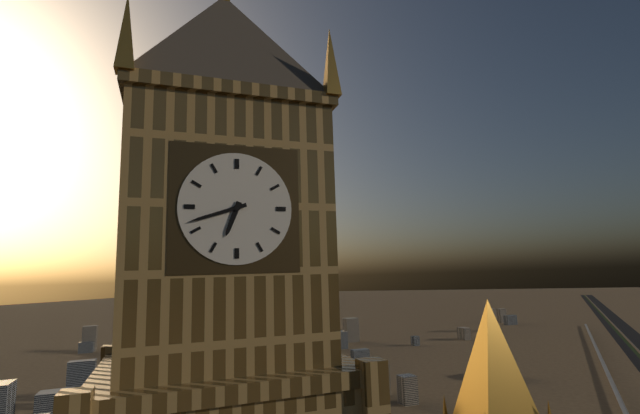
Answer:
{"hour": 6, "minute": 42}
